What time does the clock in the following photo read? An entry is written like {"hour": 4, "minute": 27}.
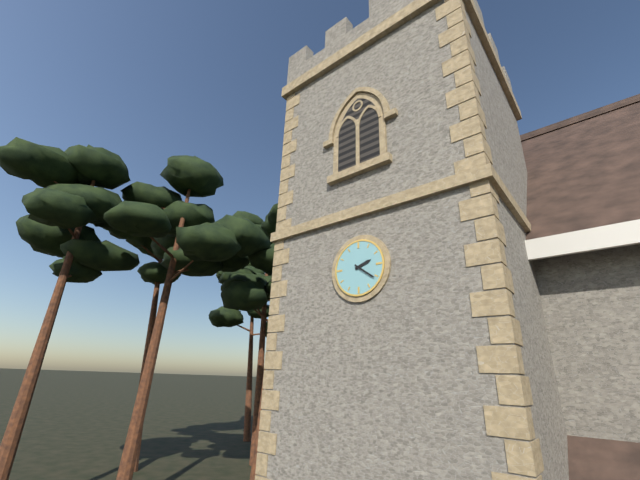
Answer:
{"hour": 2, "minute": 21}
